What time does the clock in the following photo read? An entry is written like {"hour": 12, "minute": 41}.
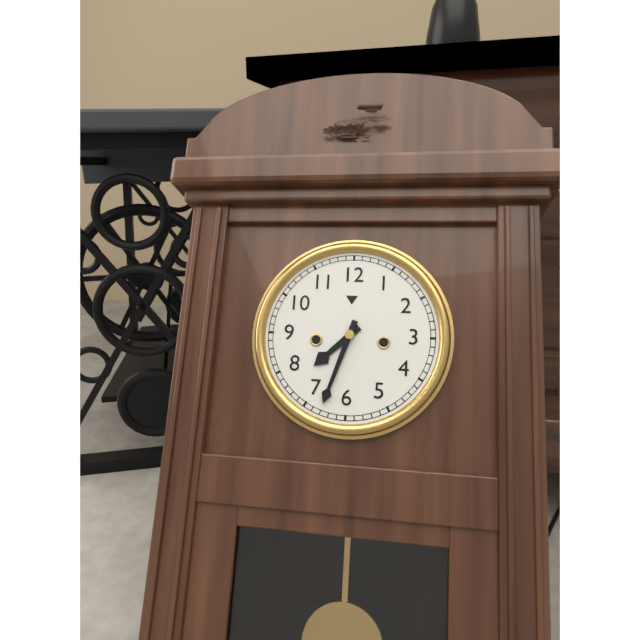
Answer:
{"hour": 7, "minute": 33}
